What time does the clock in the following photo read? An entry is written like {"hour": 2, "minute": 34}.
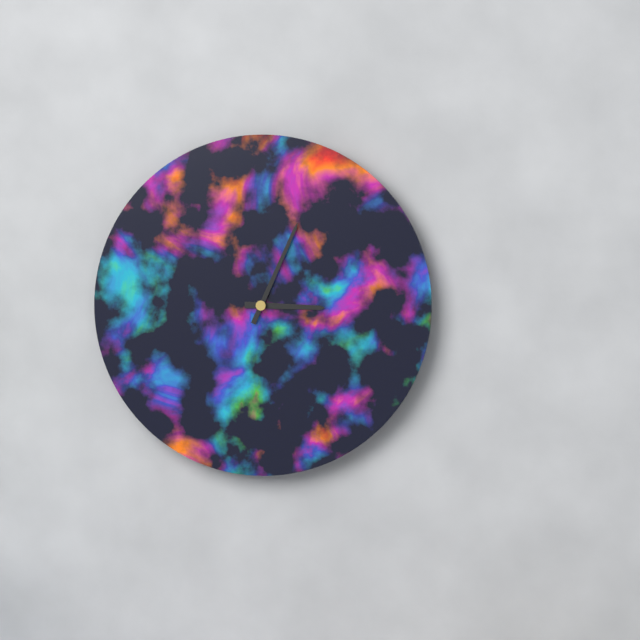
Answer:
{"hour": 3, "minute": 4}
